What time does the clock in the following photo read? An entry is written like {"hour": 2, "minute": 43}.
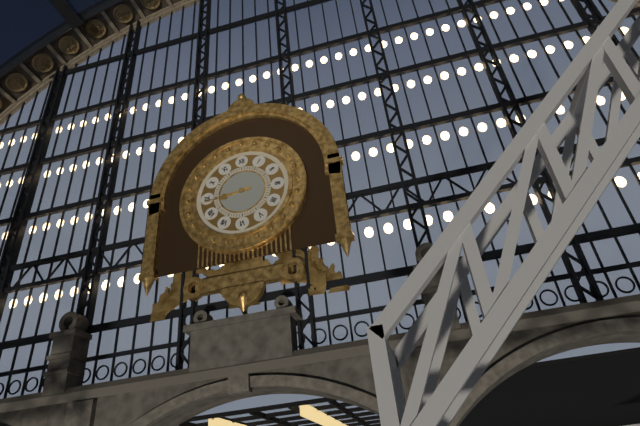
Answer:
{"hour": 8, "minute": 44}
